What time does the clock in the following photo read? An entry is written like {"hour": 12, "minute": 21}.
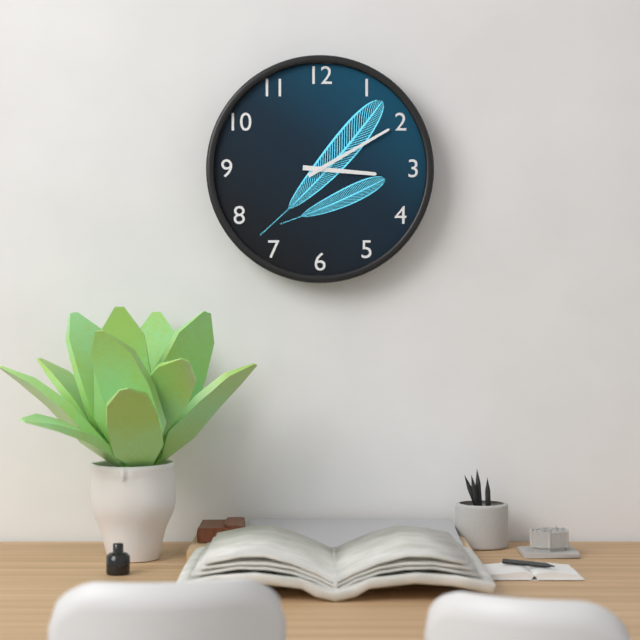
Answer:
{"hour": 3, "minute": 10}
